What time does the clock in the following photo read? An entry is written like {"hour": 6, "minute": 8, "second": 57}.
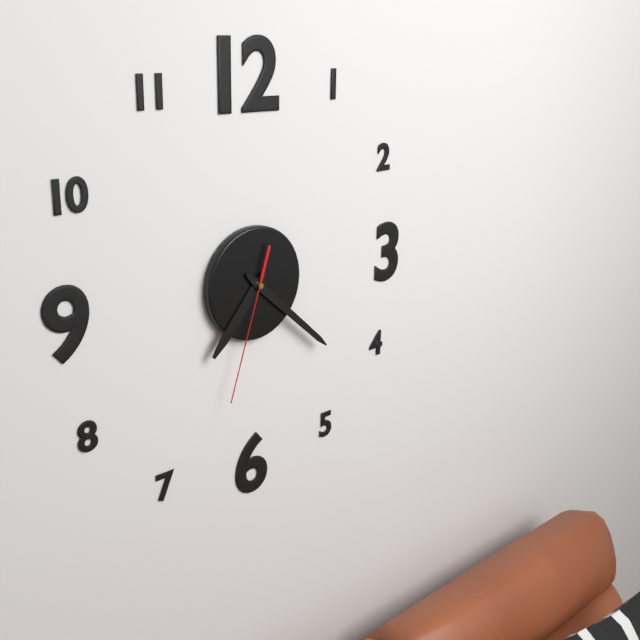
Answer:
{"hour": 7, "minute": 22, "second": 33}
